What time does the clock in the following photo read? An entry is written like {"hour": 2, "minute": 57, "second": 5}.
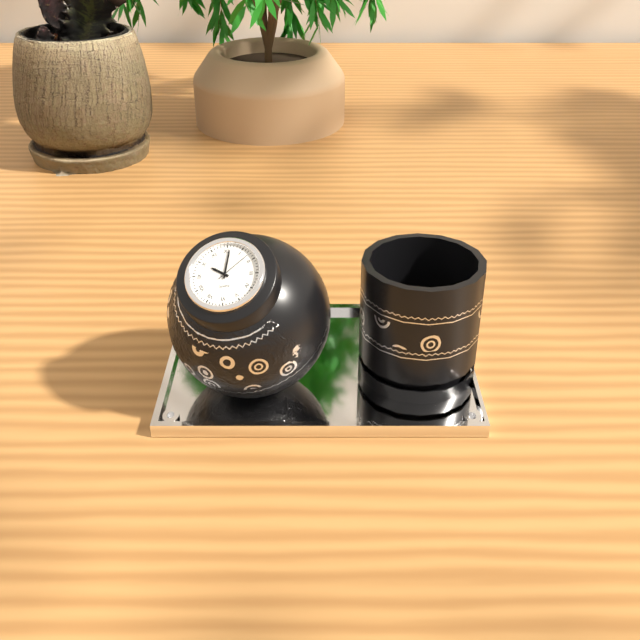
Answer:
{"hour": 10, "minute": 1, "second": 8}
